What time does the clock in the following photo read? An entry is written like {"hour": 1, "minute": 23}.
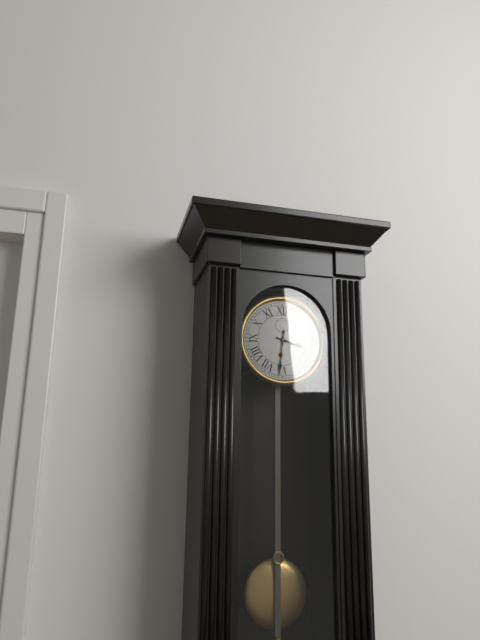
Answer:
{"hour": 3, "minute": 31}
